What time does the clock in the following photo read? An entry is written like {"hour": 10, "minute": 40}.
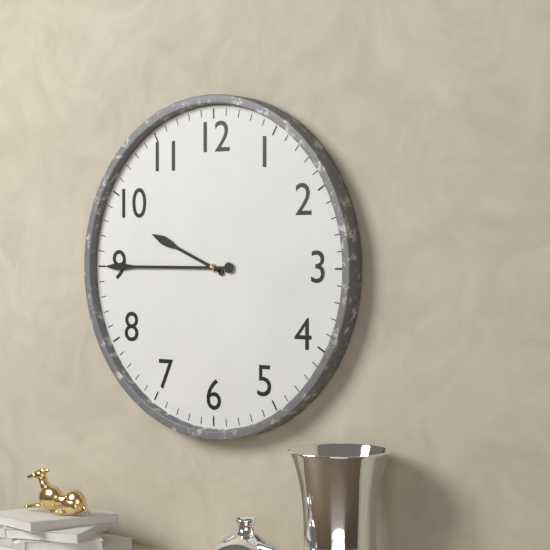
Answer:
{"hour": 9, "minute": 45}
